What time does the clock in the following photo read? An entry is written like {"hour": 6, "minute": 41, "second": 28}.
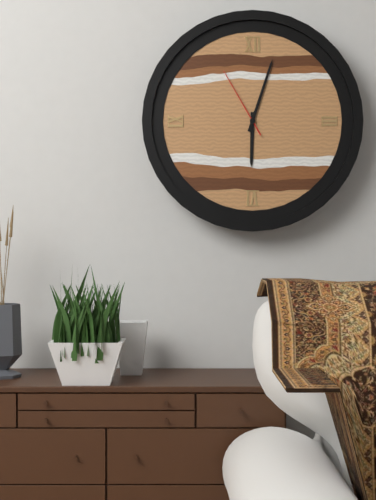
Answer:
{"hour": 6, "minute": 3, "second": 55}
